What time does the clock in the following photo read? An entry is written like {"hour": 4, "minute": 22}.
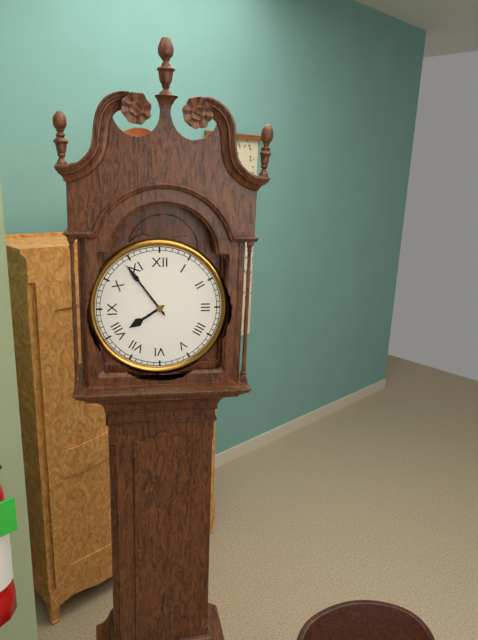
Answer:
{"hour": 7, "minute": 54}
